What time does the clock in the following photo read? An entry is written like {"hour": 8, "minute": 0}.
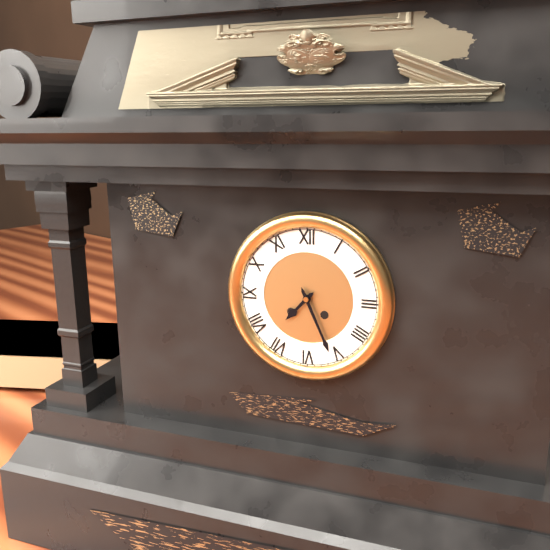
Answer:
{"hour": 7, "minute": 26}
